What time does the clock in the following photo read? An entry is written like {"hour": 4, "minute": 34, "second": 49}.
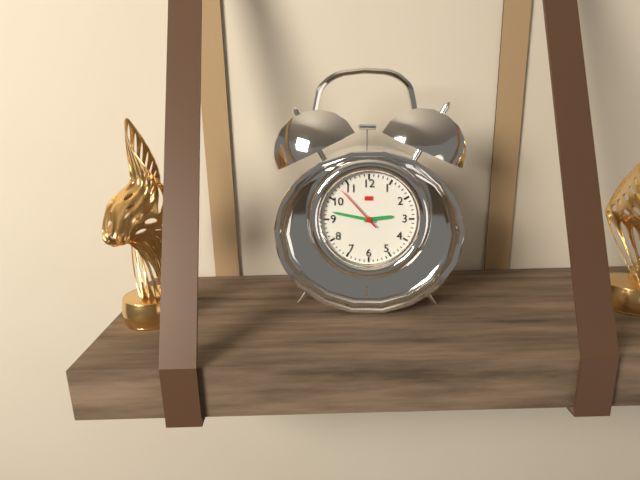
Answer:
{"hour": 2, "minute": 47, "second": 53}
